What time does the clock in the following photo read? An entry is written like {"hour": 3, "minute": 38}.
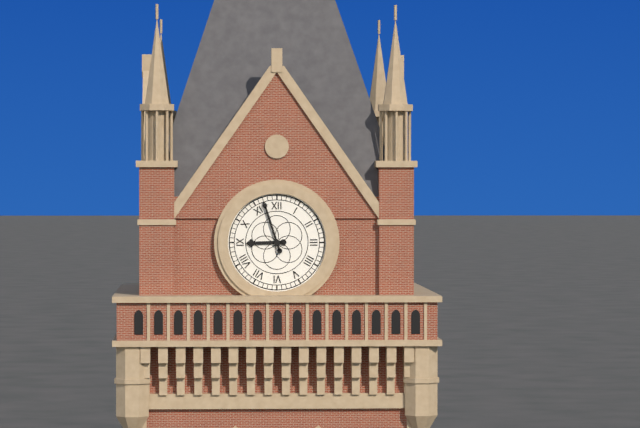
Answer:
{"hour": 8, "minute": 57}
